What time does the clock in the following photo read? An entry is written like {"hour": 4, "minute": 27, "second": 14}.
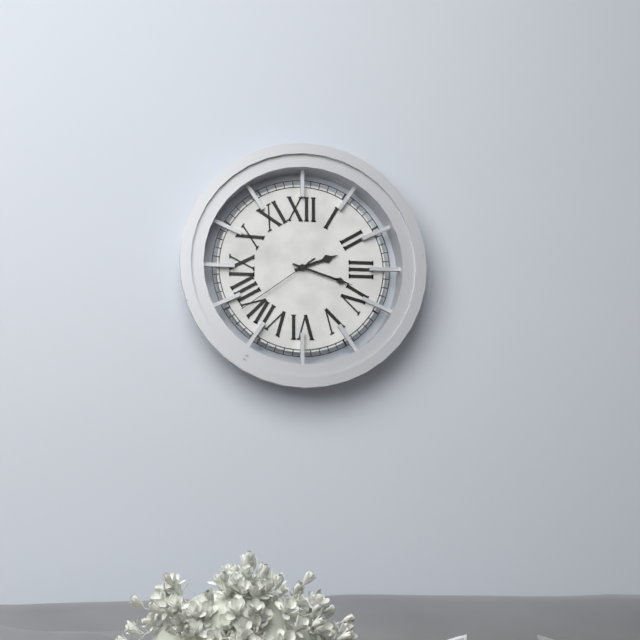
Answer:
{"hour": 2, "minute": 18, "second": 39}
